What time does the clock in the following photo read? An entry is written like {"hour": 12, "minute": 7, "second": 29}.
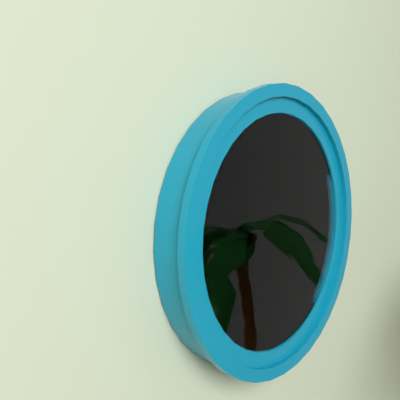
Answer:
{"hour": 10, "minute": 57, "second": 9}
